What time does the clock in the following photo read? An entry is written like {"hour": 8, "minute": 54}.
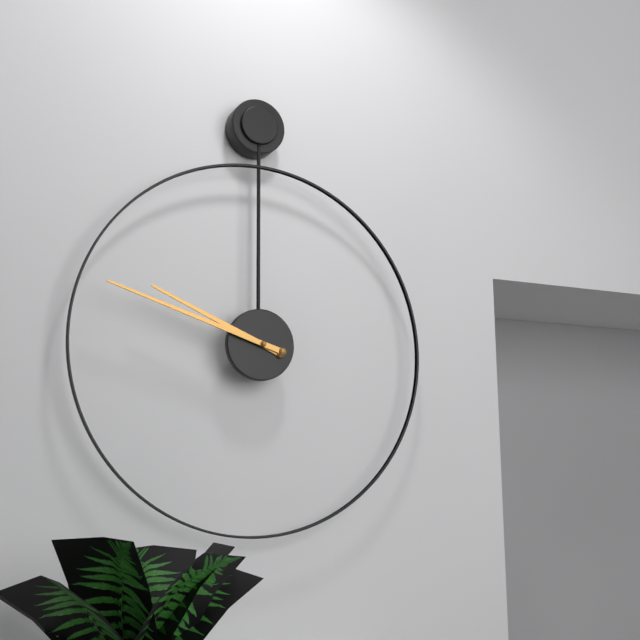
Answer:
{"hour": 9, "minute": 48}
